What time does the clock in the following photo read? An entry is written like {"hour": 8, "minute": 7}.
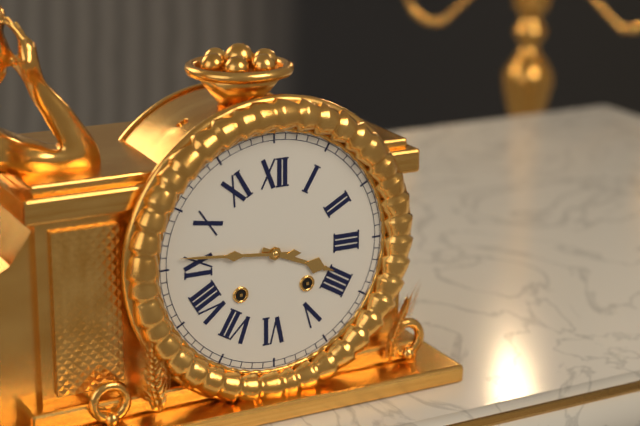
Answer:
{"hour": 3, "minute": 46}
